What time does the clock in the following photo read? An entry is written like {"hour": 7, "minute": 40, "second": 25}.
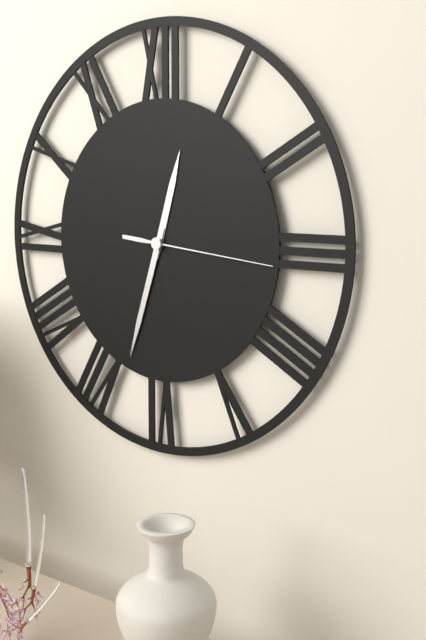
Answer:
{"hour": 12, "minute": 33, "second": 16}
